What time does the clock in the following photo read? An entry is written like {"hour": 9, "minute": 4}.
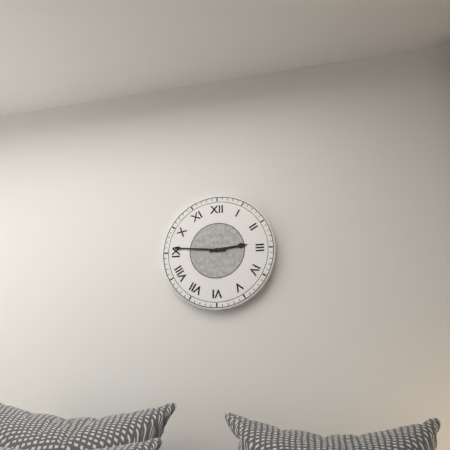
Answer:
{"hour": 2, "minute": 46}
